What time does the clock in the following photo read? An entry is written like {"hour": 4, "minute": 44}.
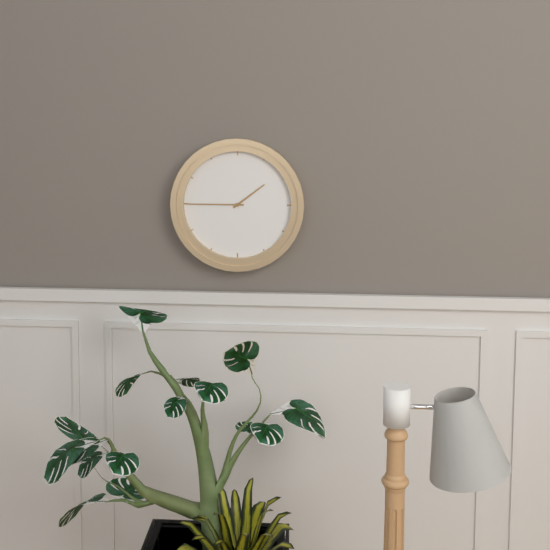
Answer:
{"hour": 1, "minute": 45}
